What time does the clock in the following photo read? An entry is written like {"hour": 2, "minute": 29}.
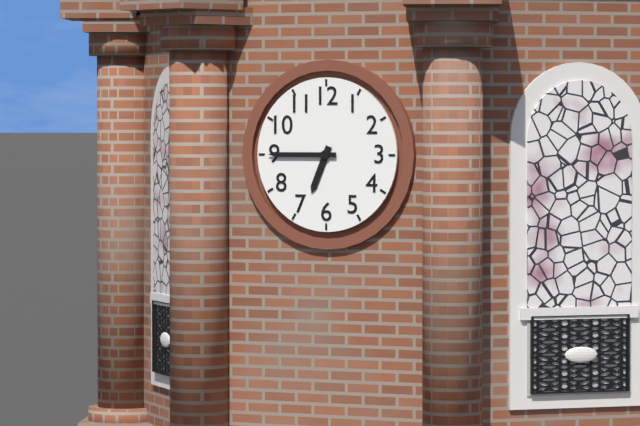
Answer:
{"hour": 6, "minute": 45}
